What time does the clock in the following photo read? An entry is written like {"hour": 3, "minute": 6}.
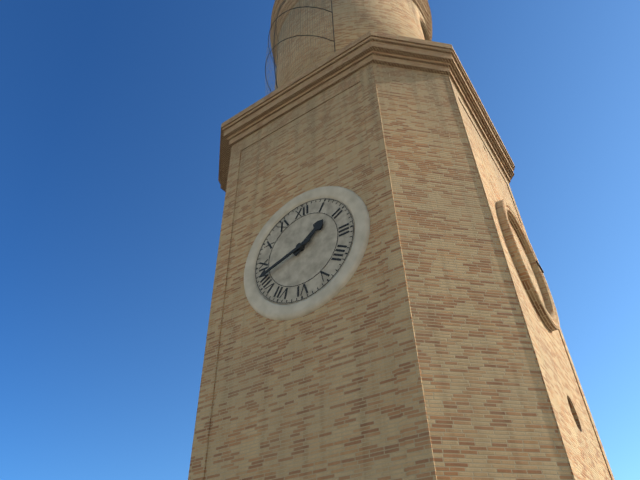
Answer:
{"hour": 1, "minute": 42}
